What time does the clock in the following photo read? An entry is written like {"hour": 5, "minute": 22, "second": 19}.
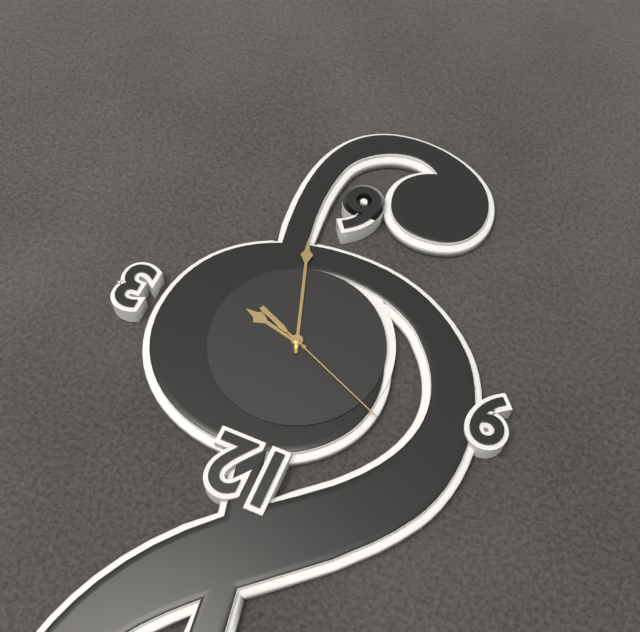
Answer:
{"hour": 3, "minute": 27, "second": 49}
